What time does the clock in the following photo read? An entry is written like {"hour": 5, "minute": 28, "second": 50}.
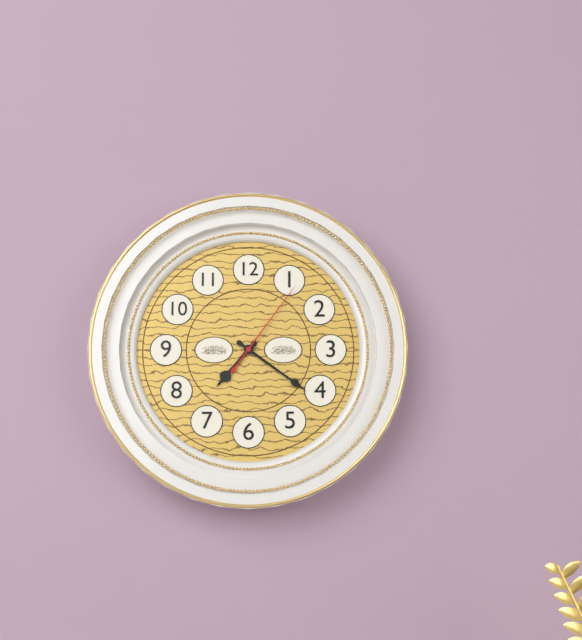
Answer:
{"hour": 7, "minute": 21, "second": 6}
